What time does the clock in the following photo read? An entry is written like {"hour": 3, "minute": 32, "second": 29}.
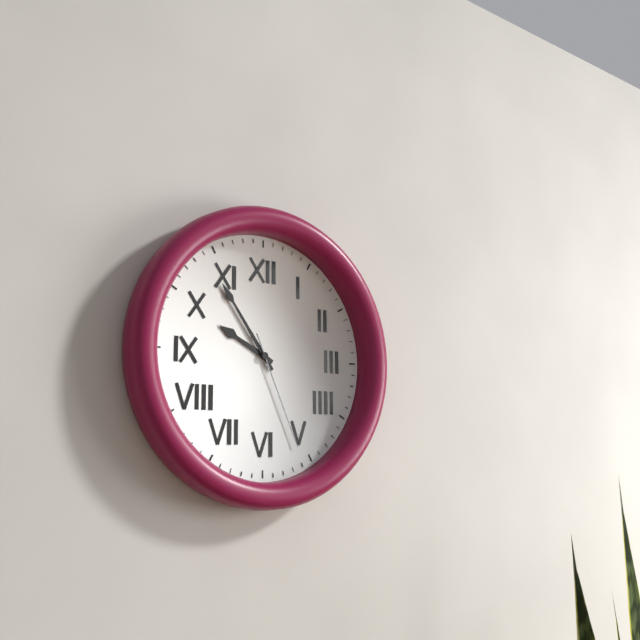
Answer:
{"hour": 9, "minute": 54, "second": 26}
